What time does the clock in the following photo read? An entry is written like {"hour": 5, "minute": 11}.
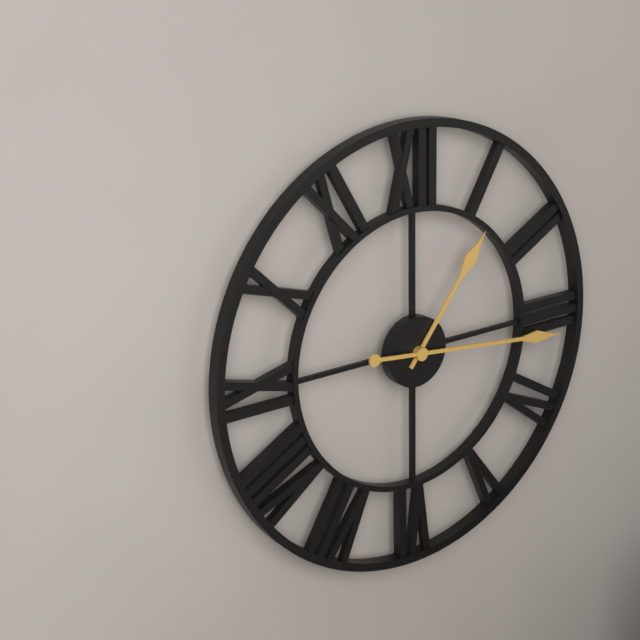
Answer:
{"hour": 1, "minute": 16}
